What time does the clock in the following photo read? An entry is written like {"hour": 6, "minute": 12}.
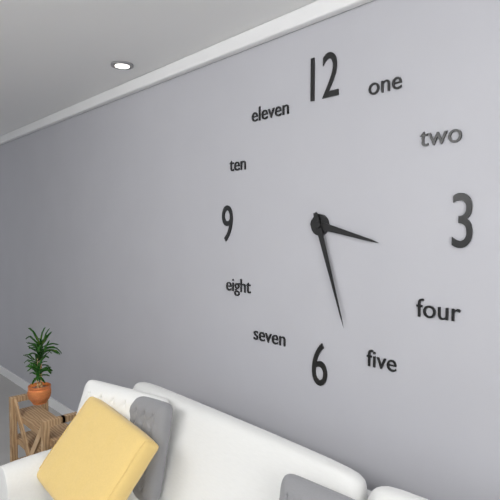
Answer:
{"hour": 3, "minute": 27}
